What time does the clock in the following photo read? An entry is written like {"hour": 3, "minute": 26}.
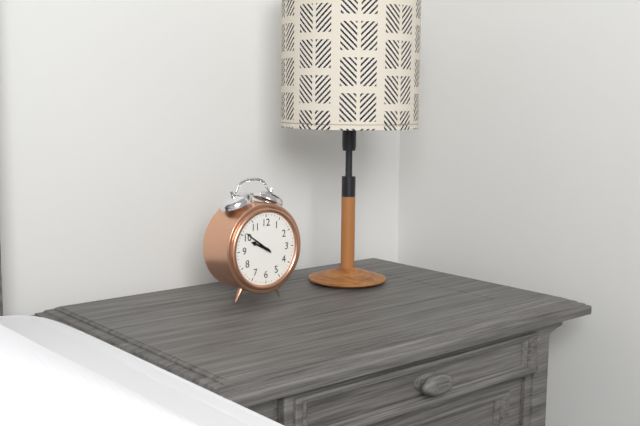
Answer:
{"hour": 9, "minute": 51}
